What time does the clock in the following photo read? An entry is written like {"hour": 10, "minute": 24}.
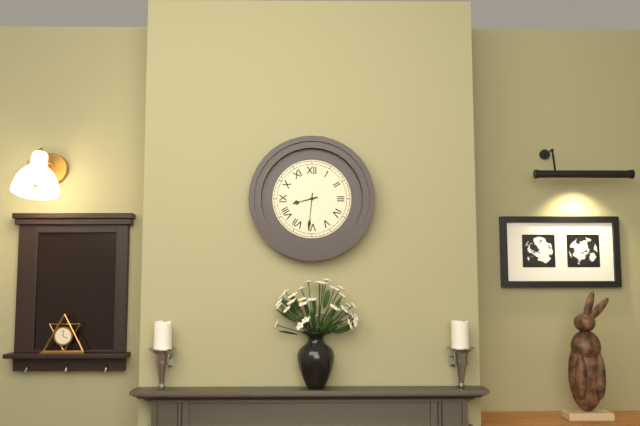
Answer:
{"hour": 8, "minute": 31}
